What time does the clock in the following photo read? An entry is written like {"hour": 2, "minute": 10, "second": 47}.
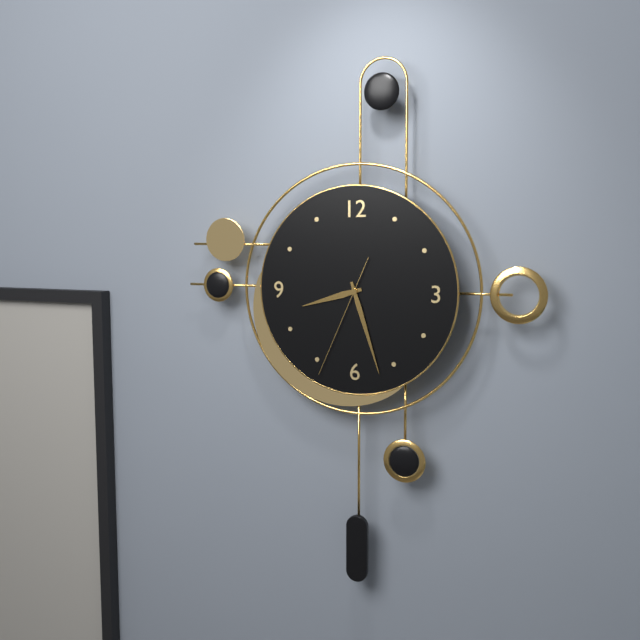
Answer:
{"hour": 8, "minute": 27, "second": 34}
